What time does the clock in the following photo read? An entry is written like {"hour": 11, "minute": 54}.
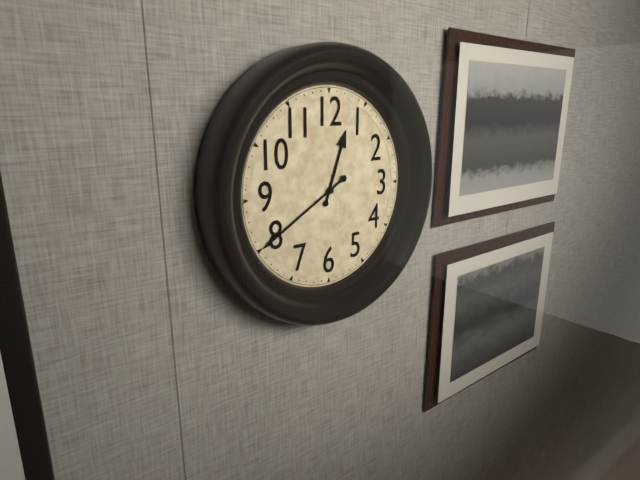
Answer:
{"hour": 12, "minute": 40}
